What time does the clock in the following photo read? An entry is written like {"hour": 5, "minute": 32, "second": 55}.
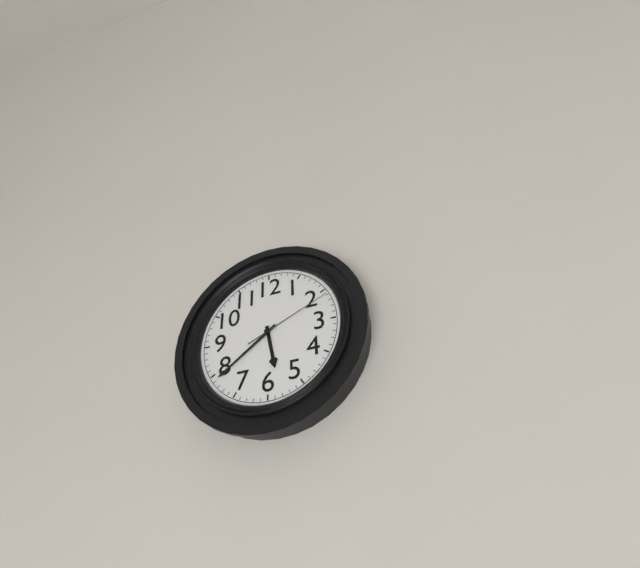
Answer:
{"hour": 5, "minute": 39, "second": 11}
